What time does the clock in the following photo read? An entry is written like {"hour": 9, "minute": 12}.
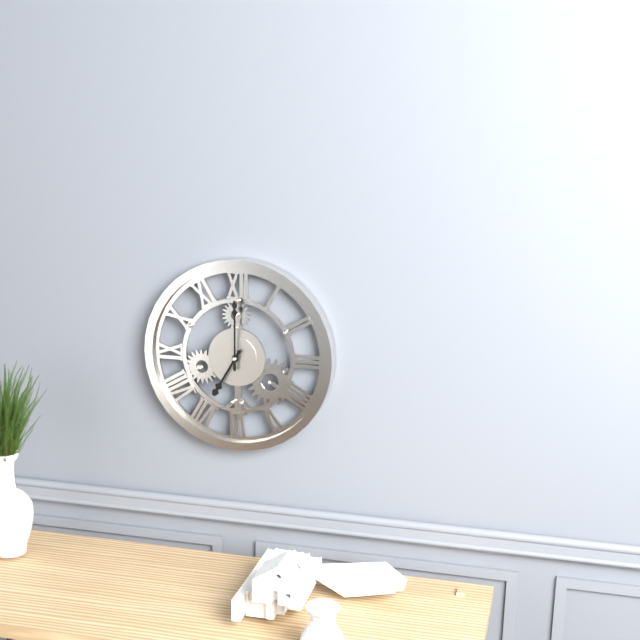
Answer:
{"hour": 7, "minute": 0}
